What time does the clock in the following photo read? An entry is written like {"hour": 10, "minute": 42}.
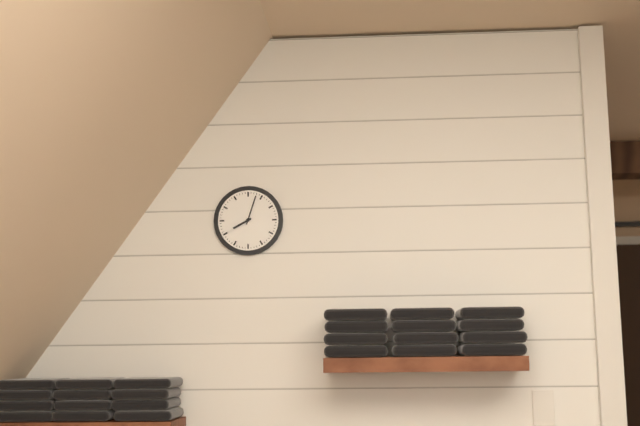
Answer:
{"hour": 8, "minute": 3}
